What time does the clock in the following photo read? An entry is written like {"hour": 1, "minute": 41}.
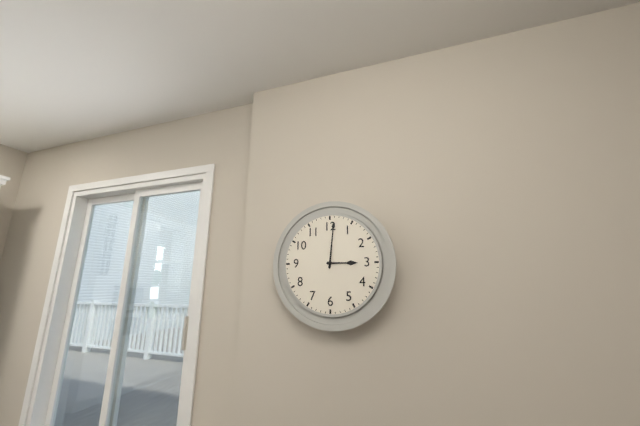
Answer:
{"hour": 3, "minute": 1}
